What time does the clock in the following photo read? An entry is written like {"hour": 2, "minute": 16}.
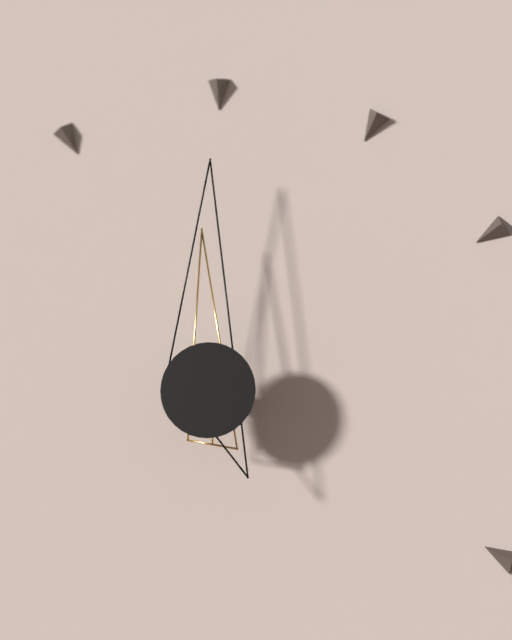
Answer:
{"hour": 12, "minute": 0}
